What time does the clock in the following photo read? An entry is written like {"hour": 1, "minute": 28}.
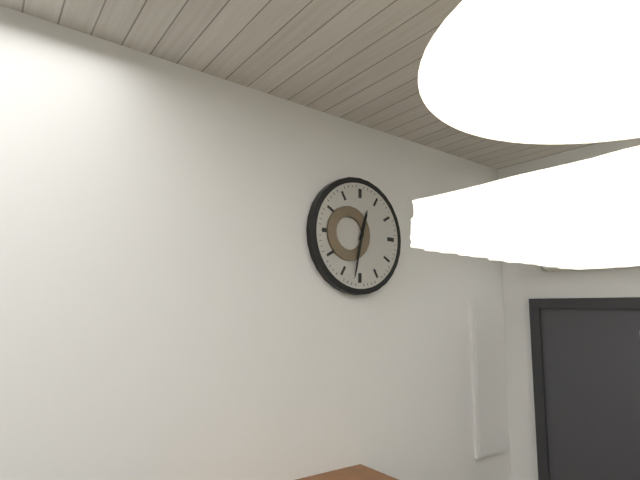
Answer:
{"hour": 12, "minute": 32}
